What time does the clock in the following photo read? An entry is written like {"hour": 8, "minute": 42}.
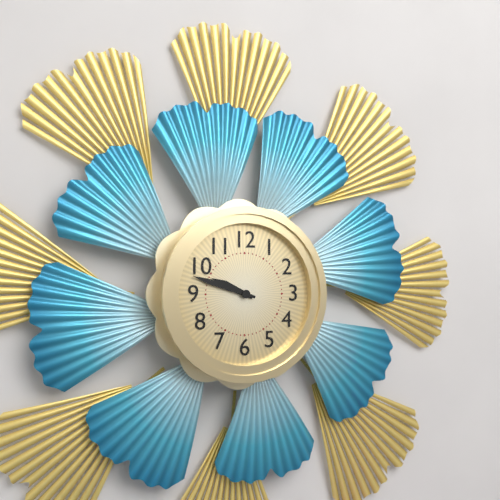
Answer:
{"hour": 9, "minute": 48}
